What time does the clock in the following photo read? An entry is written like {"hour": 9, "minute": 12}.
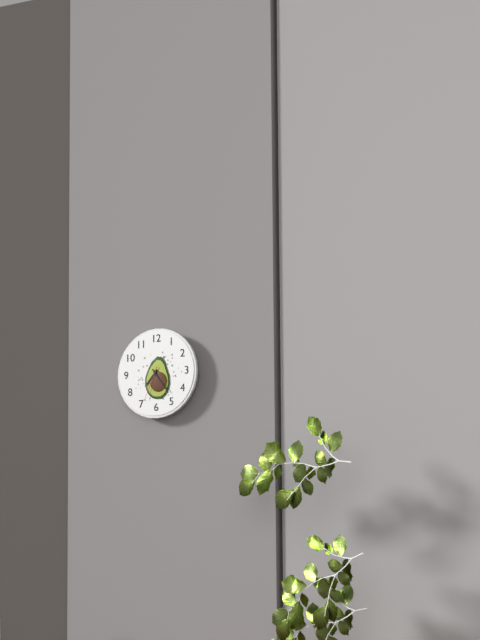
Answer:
{"hour": 7, "minute": 24}
